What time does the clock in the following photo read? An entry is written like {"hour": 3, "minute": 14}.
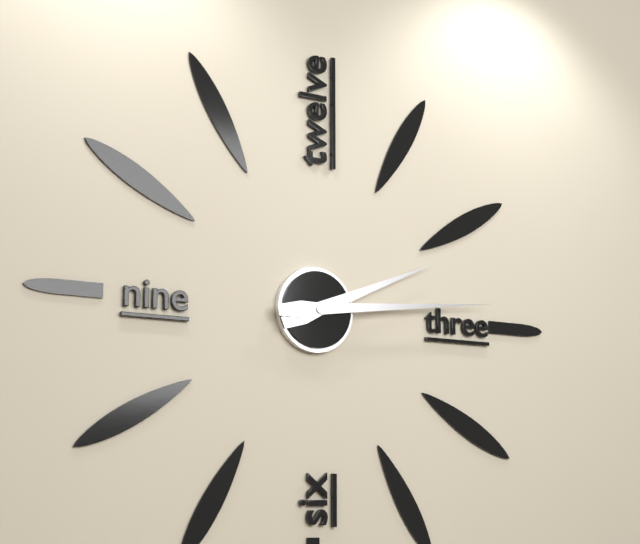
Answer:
{"hour": 2, "minute": 14}
